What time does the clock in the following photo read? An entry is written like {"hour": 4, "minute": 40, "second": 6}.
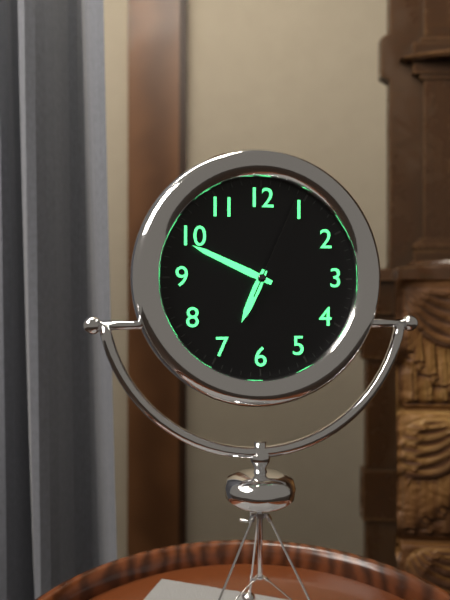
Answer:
{"hour": 6, "minute": 49, "second": 4}
